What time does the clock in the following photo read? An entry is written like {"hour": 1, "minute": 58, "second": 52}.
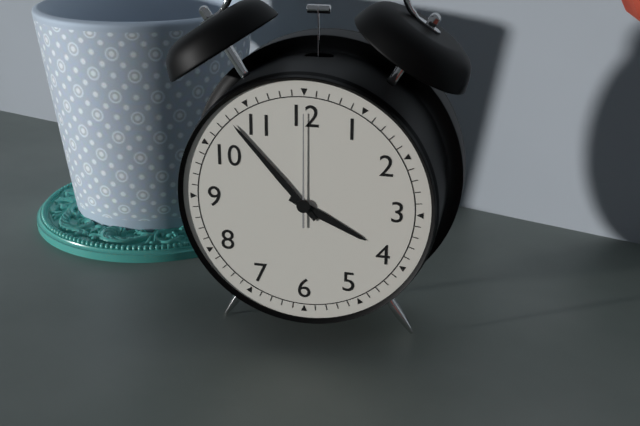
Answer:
{"hour": 3, "minute": 53, "second": 0}
